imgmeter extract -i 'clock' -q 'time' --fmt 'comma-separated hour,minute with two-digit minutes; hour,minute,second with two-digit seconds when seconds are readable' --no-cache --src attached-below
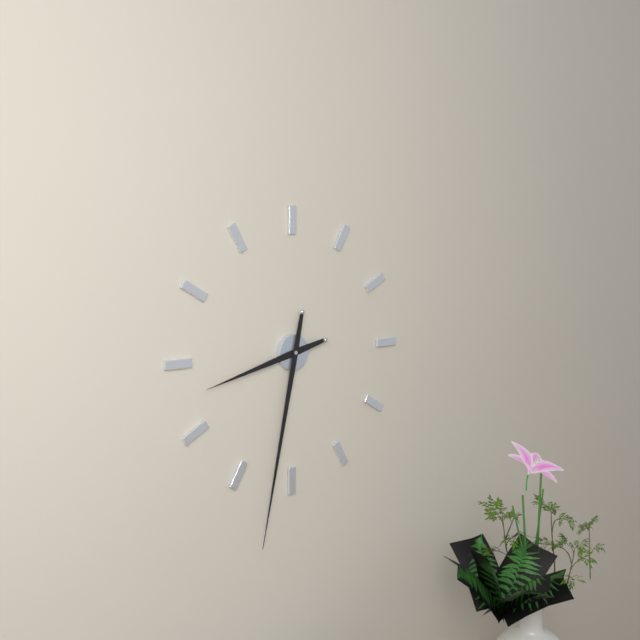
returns 8,32
